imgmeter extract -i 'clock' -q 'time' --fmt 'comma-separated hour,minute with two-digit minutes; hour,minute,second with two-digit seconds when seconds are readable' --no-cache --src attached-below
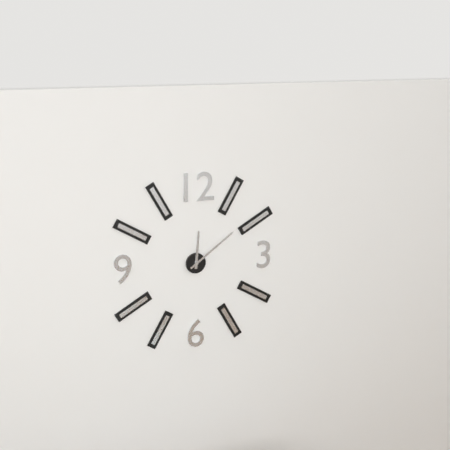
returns 12,09
